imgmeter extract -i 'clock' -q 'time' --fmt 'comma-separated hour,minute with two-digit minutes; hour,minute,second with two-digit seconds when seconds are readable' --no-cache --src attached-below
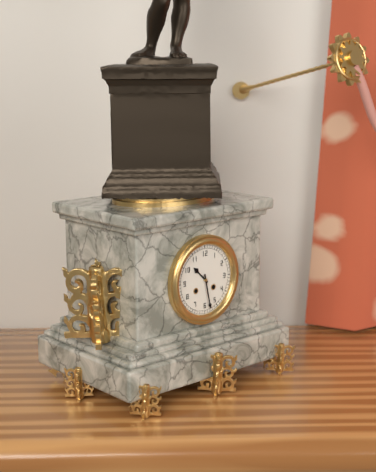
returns 10,28
